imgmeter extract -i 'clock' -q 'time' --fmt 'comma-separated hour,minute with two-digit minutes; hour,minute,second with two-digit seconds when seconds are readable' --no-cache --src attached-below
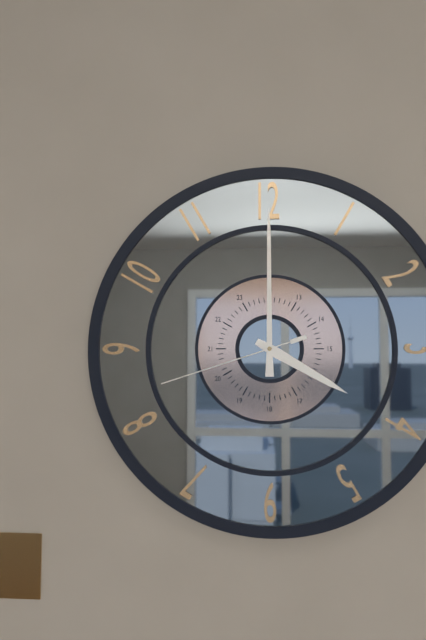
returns 4,00,42
